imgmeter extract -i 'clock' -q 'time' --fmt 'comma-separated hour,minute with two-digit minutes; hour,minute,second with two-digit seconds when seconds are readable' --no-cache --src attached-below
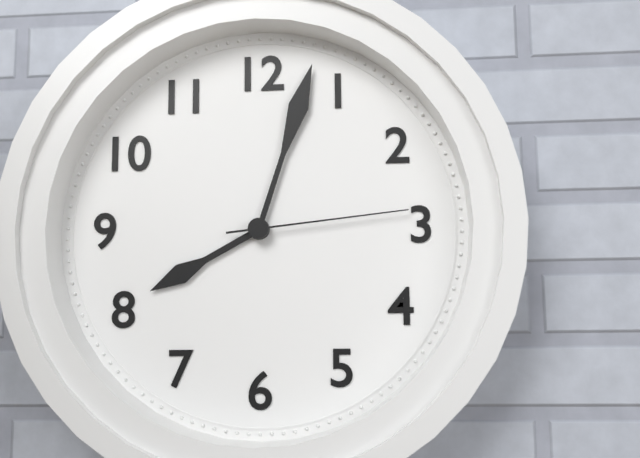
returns 8,03,14
